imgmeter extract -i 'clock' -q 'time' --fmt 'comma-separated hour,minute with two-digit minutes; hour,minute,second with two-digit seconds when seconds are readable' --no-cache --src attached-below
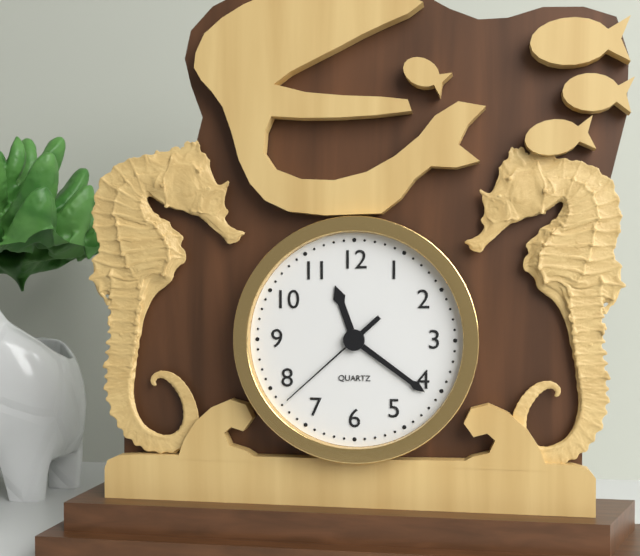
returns 11,21,38
